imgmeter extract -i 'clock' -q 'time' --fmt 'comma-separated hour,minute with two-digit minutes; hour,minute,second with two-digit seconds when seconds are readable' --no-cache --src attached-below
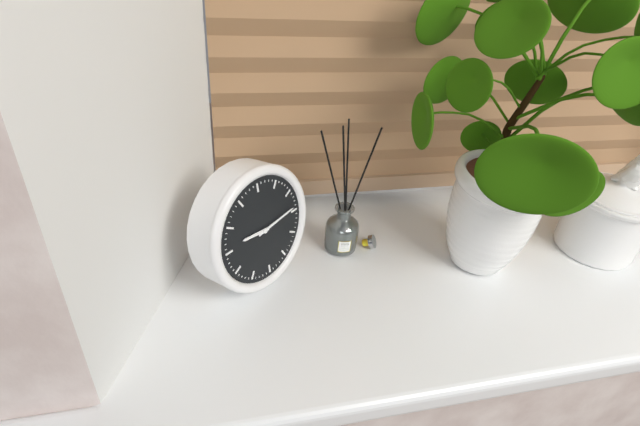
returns 9,14
